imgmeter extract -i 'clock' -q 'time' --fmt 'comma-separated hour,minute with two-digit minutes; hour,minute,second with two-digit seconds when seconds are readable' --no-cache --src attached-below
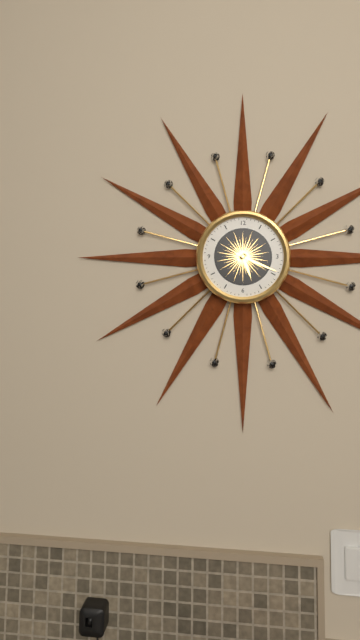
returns 5,19
